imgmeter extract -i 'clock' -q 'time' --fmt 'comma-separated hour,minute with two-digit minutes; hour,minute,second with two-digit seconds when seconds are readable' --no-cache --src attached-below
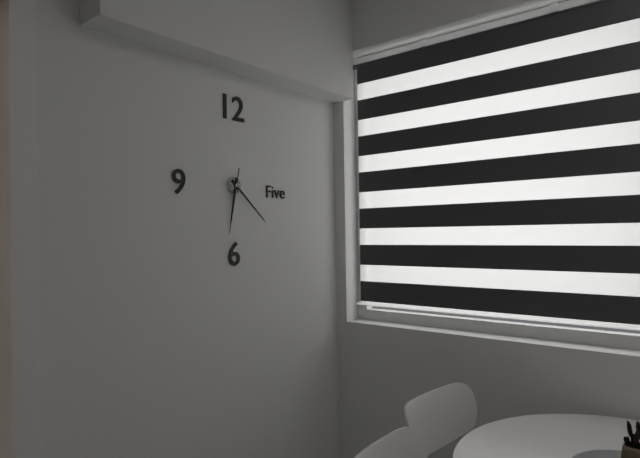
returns 6,22,32
